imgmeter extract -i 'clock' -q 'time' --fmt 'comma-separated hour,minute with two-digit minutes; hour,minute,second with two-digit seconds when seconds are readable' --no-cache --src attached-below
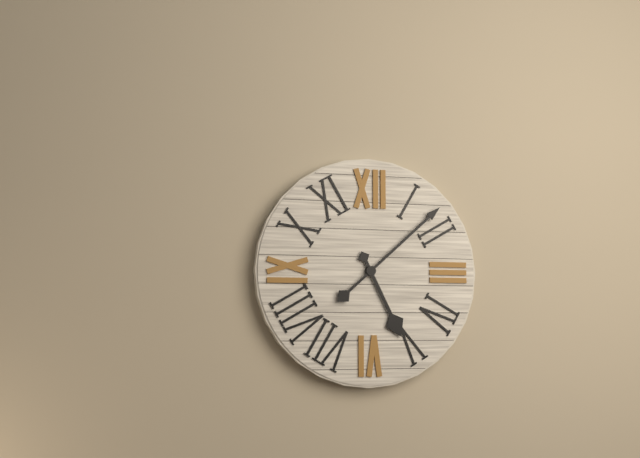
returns 5,08
